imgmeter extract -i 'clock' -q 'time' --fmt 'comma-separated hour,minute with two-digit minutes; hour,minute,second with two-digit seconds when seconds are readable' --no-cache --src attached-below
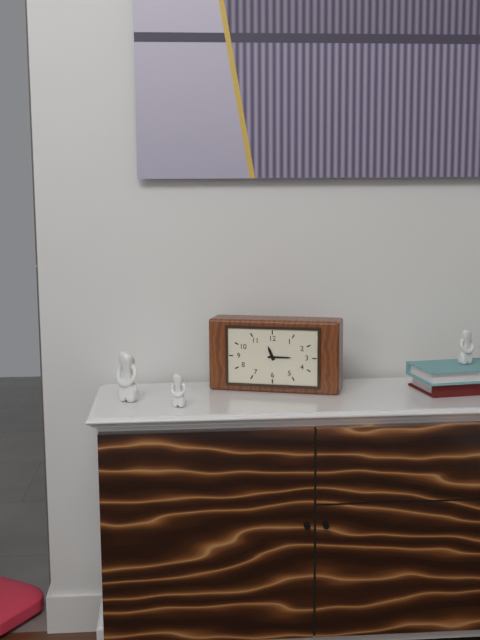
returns 11,15
